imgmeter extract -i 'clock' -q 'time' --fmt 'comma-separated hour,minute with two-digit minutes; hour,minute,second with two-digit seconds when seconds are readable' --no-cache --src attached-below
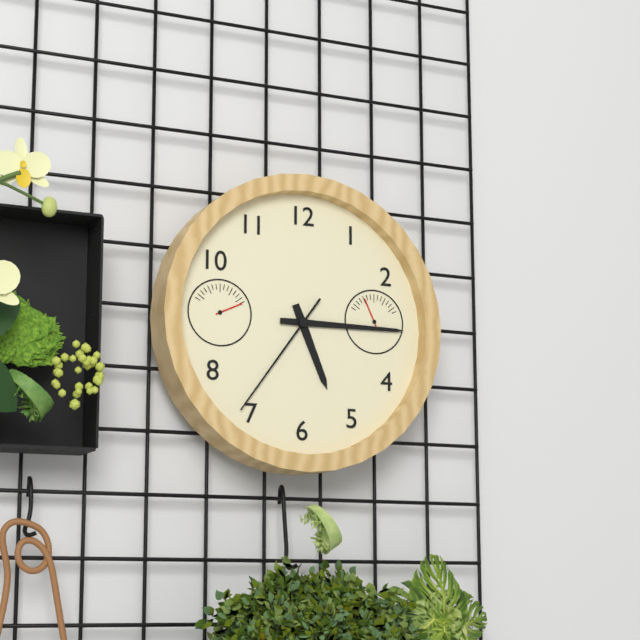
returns 5,15,36
